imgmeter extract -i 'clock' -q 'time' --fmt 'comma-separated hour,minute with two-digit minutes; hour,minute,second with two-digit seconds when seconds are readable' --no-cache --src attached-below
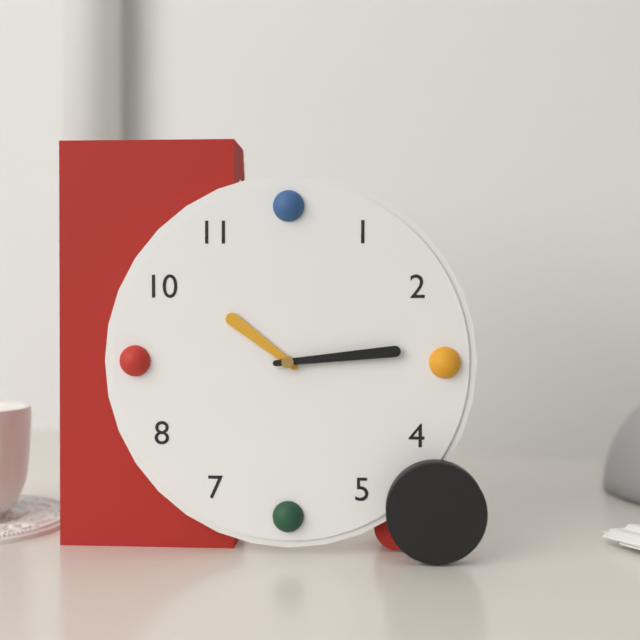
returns 10,14
